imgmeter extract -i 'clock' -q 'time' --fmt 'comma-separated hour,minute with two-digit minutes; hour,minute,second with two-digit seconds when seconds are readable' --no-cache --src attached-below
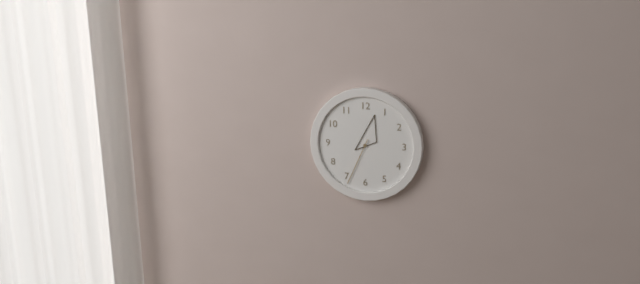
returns 12,34
